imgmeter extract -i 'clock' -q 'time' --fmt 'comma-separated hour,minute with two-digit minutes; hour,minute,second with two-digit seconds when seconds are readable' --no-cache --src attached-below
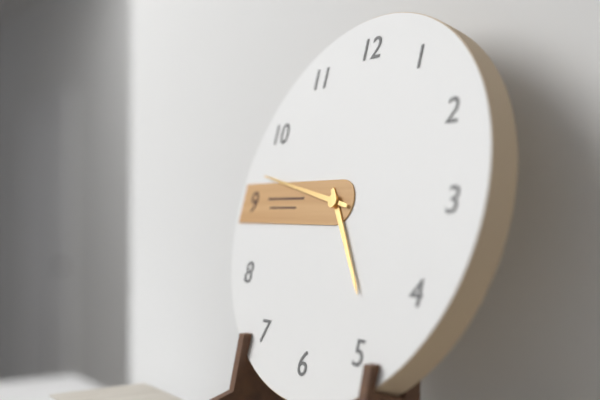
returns 4,47
